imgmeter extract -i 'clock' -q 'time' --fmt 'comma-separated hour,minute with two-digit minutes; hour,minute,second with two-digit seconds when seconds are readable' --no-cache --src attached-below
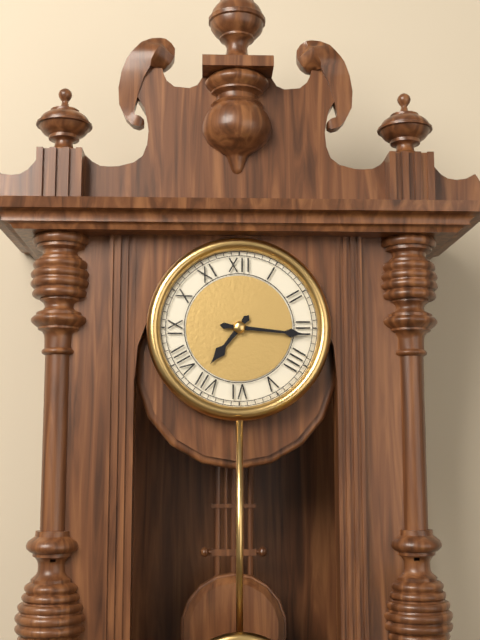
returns 7,16
